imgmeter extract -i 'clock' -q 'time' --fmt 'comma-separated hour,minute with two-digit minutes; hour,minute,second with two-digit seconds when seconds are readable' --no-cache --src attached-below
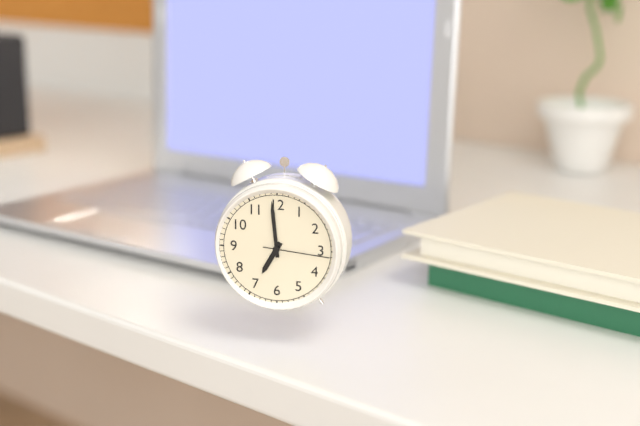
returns 6,59,16
